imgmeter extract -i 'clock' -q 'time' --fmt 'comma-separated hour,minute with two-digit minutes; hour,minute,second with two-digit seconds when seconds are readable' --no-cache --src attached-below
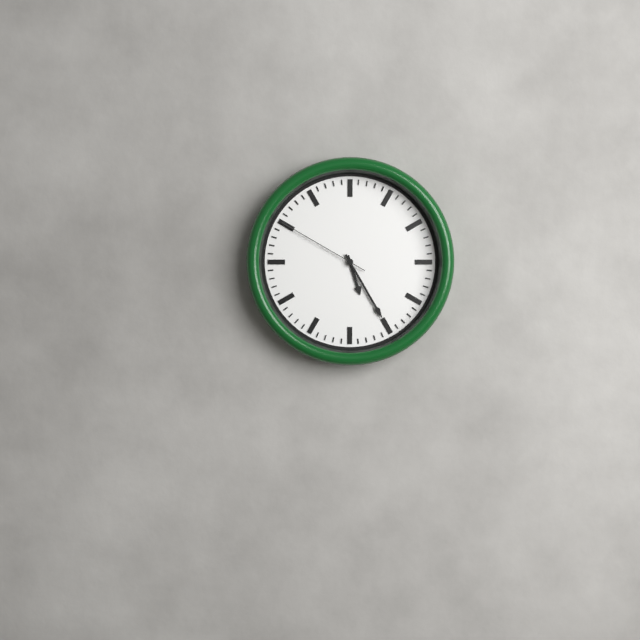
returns 5,25,50
